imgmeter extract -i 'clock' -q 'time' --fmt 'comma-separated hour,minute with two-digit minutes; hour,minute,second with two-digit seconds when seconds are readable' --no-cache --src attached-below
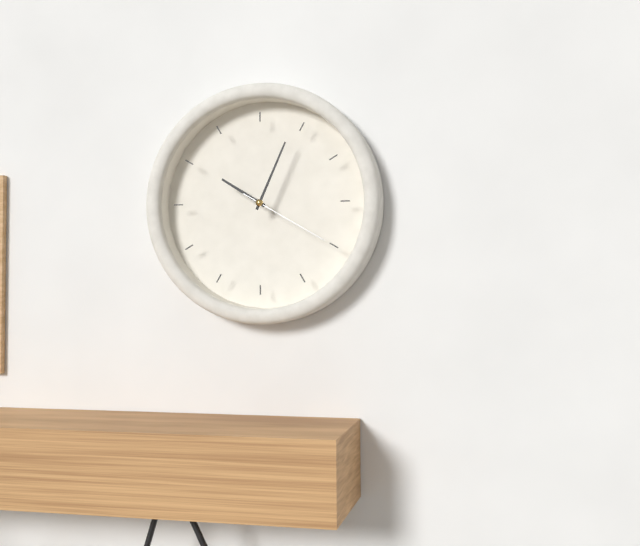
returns 10,04,20
